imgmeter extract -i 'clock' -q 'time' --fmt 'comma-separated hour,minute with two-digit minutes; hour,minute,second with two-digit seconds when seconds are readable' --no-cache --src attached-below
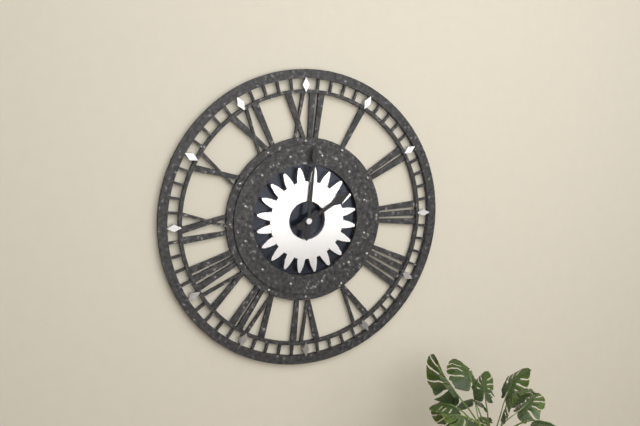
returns 2,01
